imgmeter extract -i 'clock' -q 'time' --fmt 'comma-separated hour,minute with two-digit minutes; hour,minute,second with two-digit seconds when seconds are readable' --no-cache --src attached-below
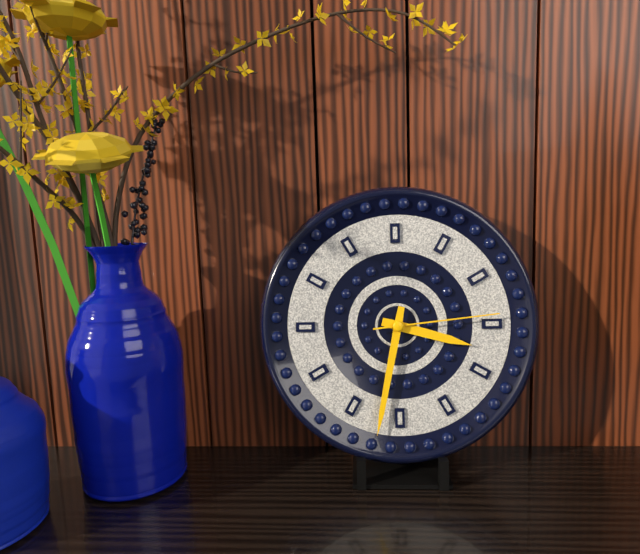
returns 3,32,14
